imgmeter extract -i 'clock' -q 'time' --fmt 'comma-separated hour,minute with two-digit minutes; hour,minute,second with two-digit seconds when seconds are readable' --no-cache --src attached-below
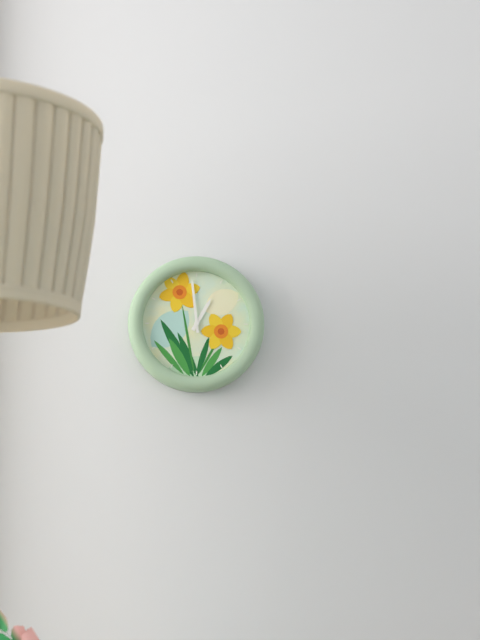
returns 12,59
